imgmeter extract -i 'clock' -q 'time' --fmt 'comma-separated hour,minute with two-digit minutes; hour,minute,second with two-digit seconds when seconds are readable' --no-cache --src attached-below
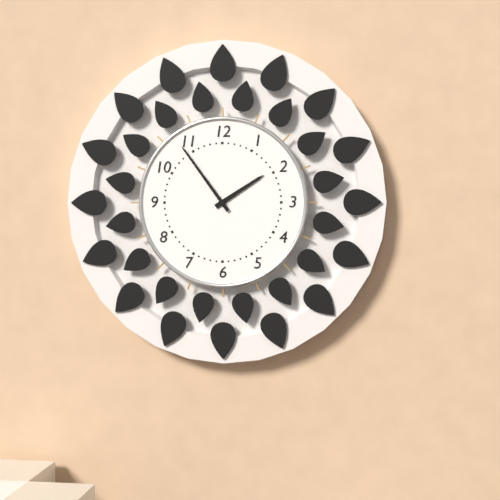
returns 1,54
